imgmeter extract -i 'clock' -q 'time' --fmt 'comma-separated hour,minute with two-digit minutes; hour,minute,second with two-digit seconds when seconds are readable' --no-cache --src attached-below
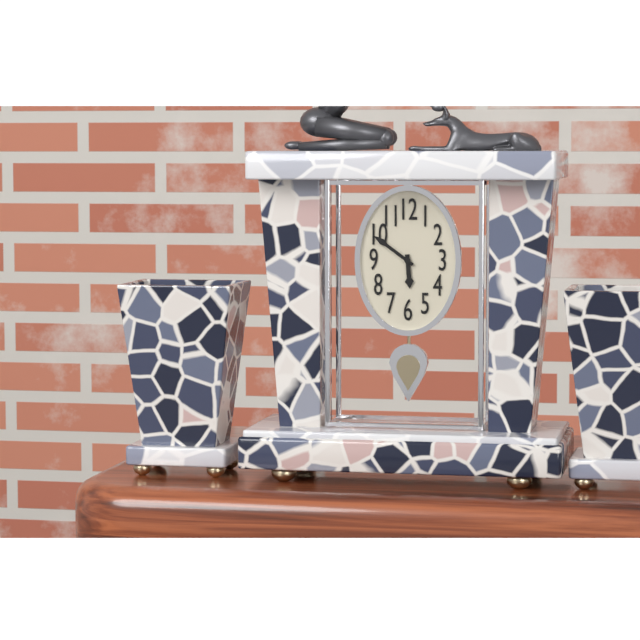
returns 5,51
